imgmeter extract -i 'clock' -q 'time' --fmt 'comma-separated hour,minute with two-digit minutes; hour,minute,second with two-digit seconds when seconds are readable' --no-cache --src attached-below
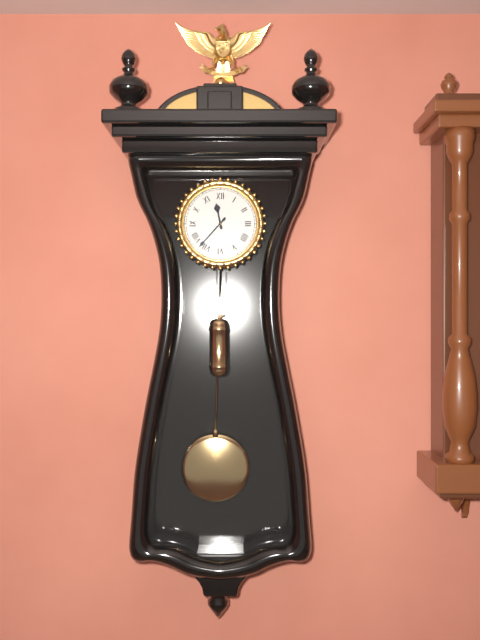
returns 11,37
